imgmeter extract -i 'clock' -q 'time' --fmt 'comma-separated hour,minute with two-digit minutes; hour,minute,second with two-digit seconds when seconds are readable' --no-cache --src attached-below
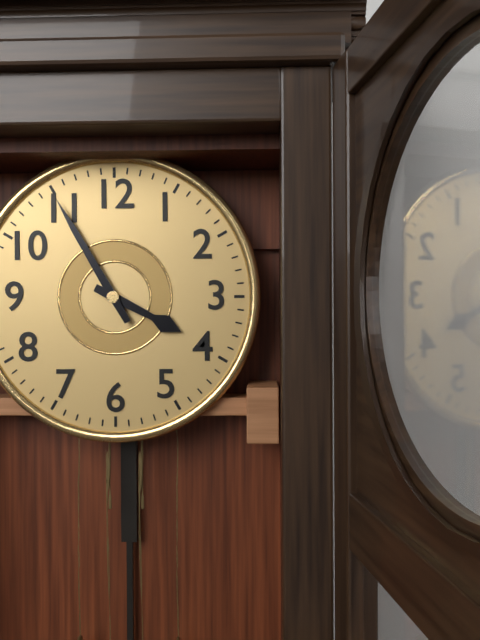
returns 3,55
